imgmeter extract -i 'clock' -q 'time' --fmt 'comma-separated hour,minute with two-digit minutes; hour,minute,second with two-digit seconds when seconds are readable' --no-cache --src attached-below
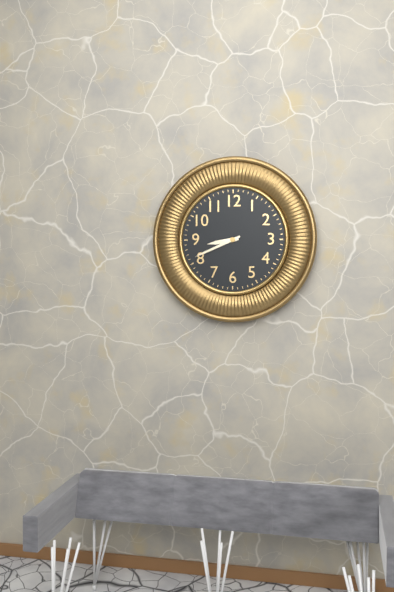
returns 8,41
